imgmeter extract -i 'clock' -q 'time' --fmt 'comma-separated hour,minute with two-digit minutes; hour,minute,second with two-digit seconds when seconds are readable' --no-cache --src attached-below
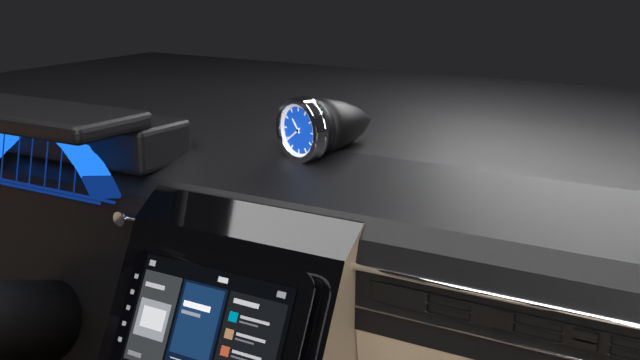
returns 10,39
